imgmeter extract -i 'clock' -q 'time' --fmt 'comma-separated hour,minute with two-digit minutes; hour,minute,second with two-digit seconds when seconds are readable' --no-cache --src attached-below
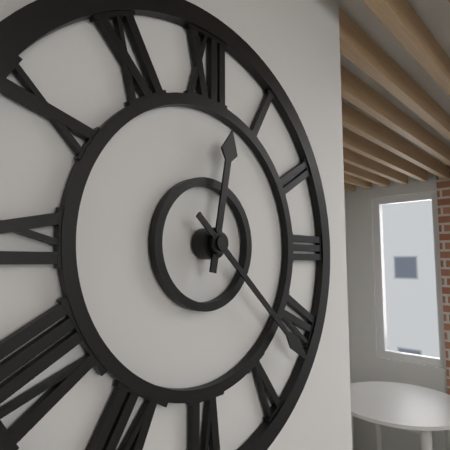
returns 12,22
